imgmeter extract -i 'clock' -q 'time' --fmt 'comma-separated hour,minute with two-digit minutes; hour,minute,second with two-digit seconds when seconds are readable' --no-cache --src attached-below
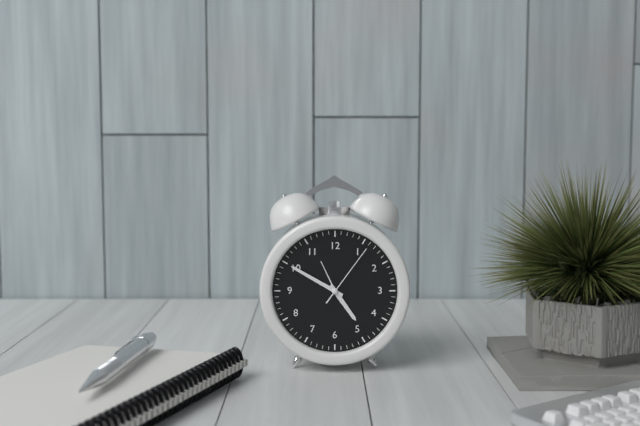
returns 4,50,06
